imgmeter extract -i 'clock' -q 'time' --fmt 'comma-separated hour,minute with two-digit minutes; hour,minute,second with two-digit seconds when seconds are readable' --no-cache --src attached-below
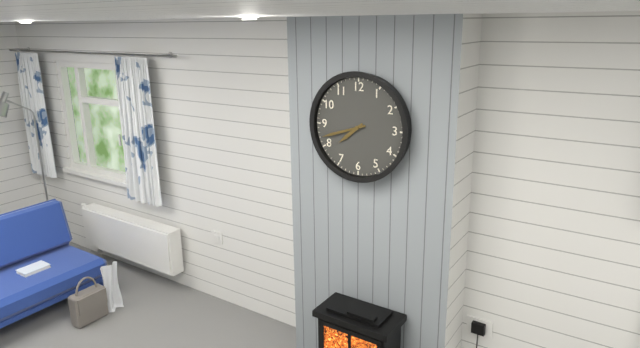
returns 7,42
